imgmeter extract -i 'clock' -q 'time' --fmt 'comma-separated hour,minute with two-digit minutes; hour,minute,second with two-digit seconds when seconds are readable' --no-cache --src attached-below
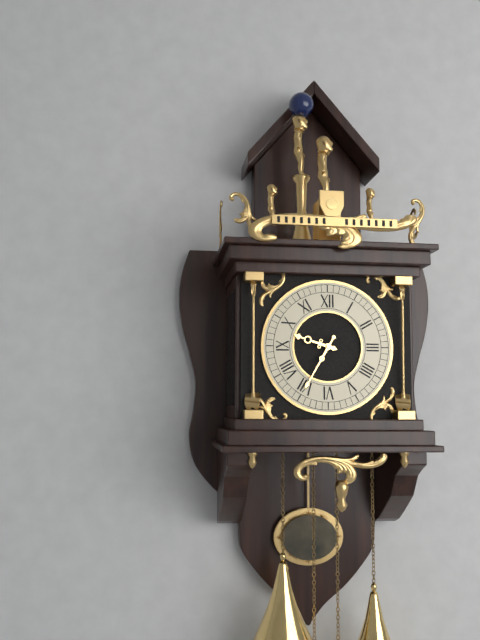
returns 9,35
